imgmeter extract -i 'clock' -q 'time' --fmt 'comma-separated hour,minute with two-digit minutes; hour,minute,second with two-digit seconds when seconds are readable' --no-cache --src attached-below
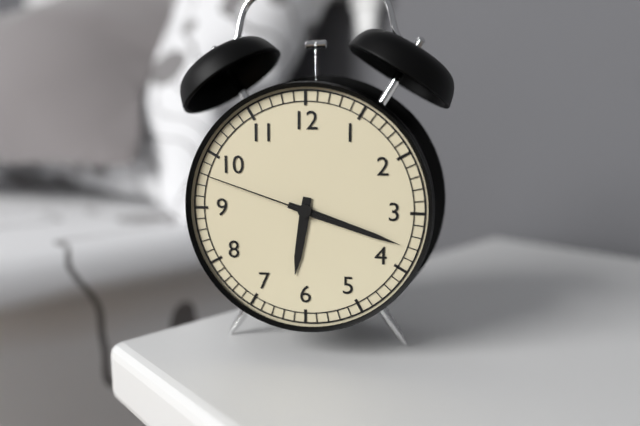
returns 6,18,48
